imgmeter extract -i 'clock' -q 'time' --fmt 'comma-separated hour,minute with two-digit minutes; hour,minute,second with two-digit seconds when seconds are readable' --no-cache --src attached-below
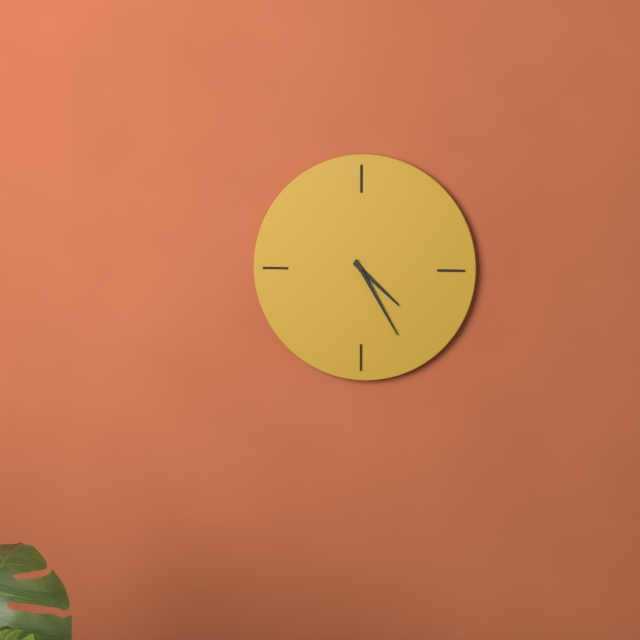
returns 4,25
